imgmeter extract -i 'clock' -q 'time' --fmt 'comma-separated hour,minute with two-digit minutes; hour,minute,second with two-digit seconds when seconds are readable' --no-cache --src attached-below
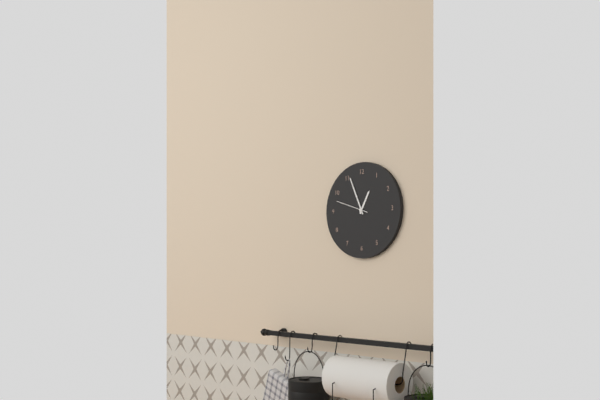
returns 12,56
